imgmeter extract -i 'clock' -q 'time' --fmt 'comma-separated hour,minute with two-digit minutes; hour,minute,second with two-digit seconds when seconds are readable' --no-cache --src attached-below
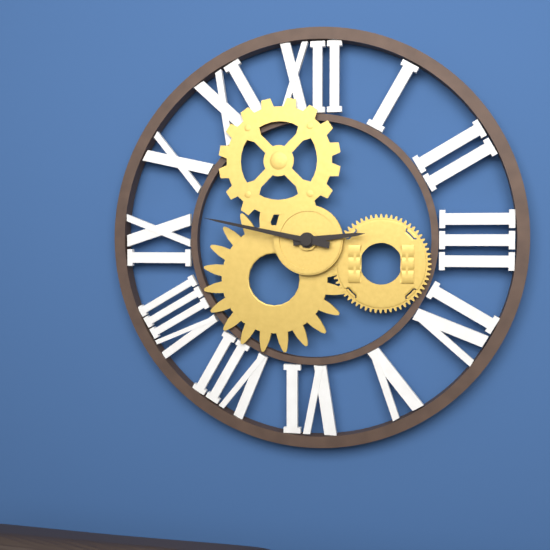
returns 2,47
